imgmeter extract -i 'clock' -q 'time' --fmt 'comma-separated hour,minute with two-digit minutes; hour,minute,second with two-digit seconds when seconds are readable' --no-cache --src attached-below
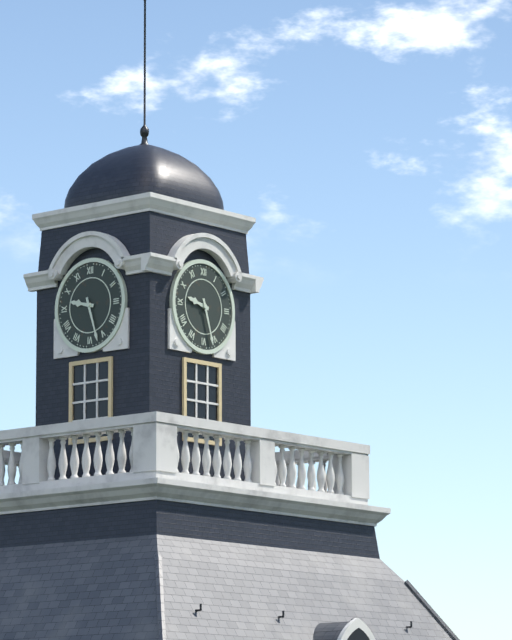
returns 9,27
